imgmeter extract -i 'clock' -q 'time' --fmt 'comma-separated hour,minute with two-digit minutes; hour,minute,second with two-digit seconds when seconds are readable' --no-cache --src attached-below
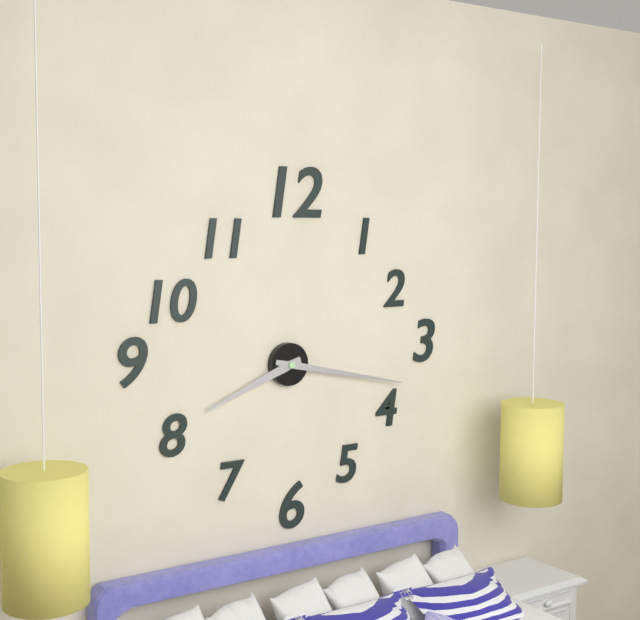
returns 8,17
